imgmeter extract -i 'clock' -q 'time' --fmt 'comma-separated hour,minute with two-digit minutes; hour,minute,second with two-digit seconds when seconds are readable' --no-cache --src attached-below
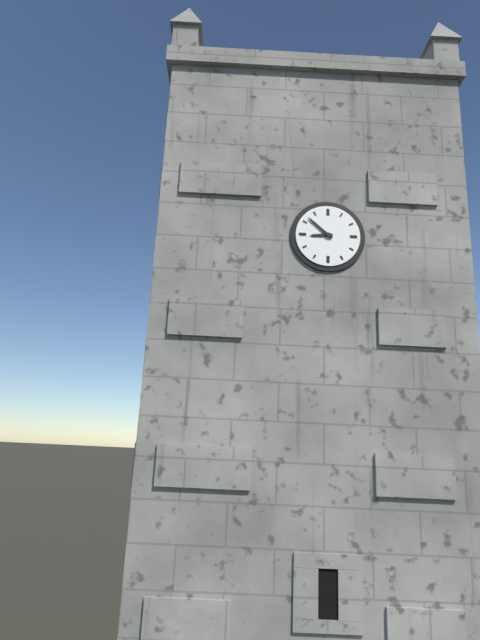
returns 8,52
